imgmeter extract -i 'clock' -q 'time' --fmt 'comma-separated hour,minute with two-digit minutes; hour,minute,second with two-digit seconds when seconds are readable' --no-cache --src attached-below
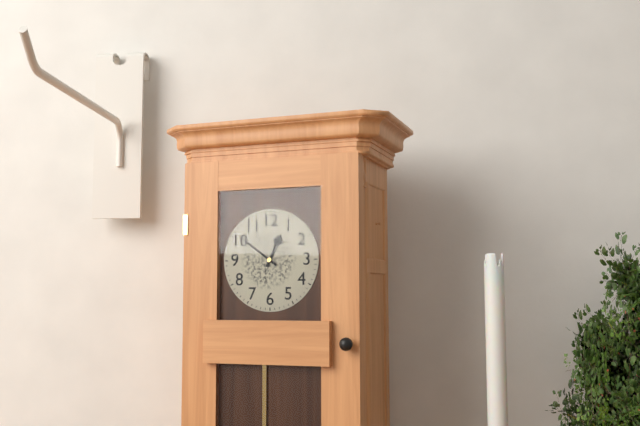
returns 12,51
